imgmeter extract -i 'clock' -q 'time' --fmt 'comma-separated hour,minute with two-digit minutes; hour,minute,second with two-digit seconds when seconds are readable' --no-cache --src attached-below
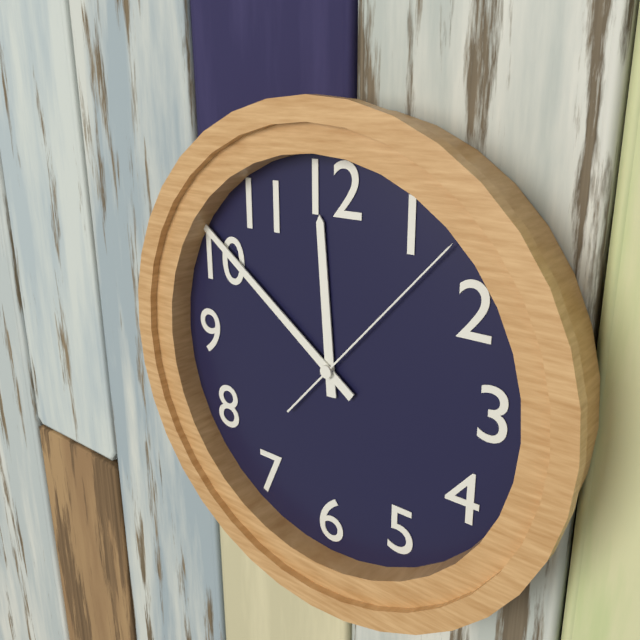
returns 11,51,07
